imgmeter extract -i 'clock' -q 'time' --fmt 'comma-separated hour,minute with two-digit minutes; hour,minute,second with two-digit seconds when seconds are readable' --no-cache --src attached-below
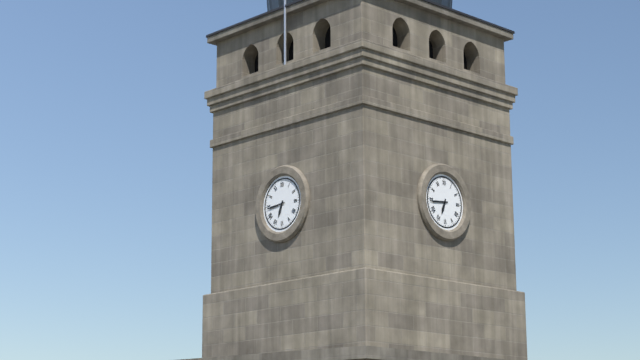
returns 6,44
